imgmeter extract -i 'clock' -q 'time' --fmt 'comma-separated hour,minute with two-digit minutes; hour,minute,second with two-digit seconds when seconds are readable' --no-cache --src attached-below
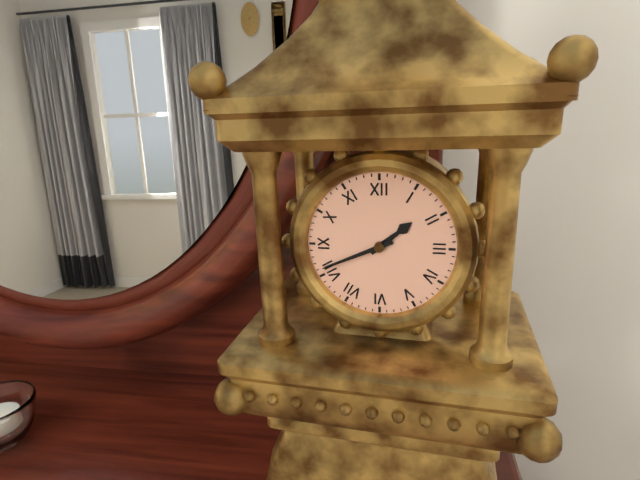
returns 1,41
